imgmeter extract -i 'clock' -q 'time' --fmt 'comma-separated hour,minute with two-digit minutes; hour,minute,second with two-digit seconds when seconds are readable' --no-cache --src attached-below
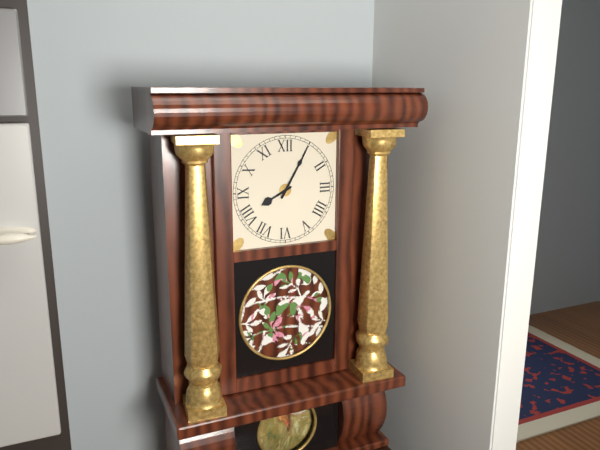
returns 8,05
